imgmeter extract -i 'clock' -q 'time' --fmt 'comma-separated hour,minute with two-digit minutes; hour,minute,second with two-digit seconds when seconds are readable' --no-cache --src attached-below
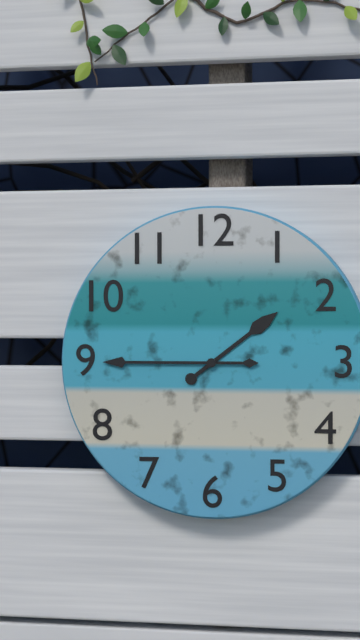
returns 1,45
